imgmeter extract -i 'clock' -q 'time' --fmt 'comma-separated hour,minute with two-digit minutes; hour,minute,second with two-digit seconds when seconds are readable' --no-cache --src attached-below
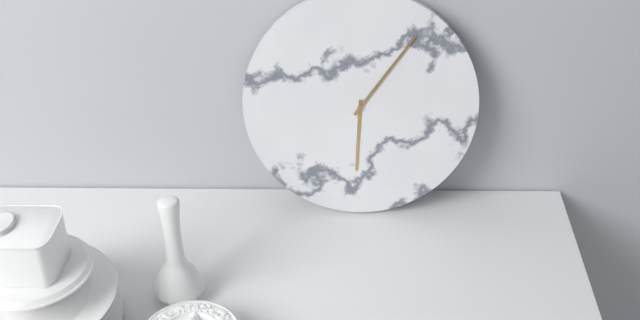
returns 6,06
